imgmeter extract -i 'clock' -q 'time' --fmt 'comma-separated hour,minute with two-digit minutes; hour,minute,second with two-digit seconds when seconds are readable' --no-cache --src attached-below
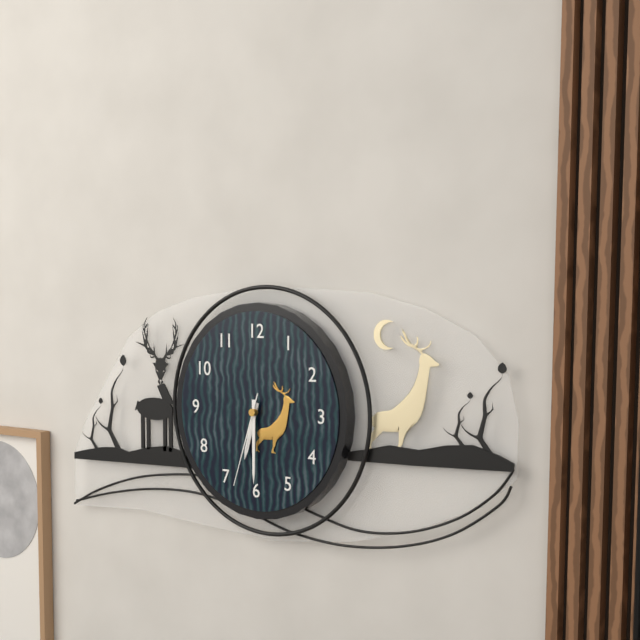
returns 6,30,33
